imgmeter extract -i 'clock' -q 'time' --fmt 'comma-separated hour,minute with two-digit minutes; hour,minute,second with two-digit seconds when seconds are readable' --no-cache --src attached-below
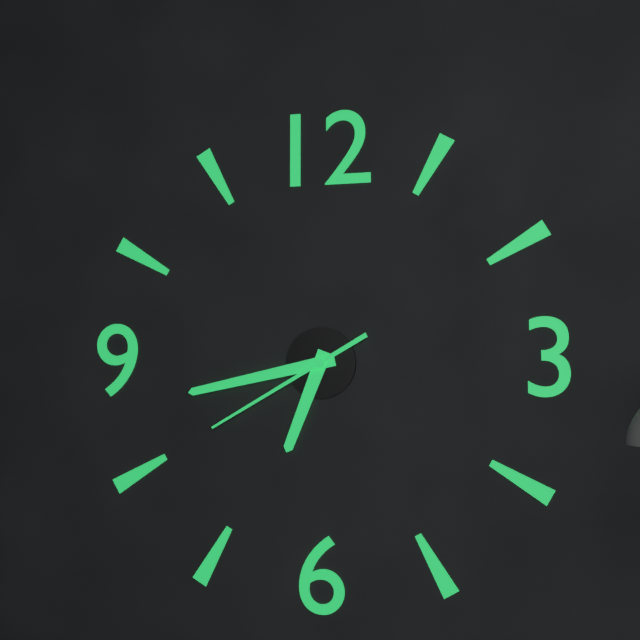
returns 6,43,40
